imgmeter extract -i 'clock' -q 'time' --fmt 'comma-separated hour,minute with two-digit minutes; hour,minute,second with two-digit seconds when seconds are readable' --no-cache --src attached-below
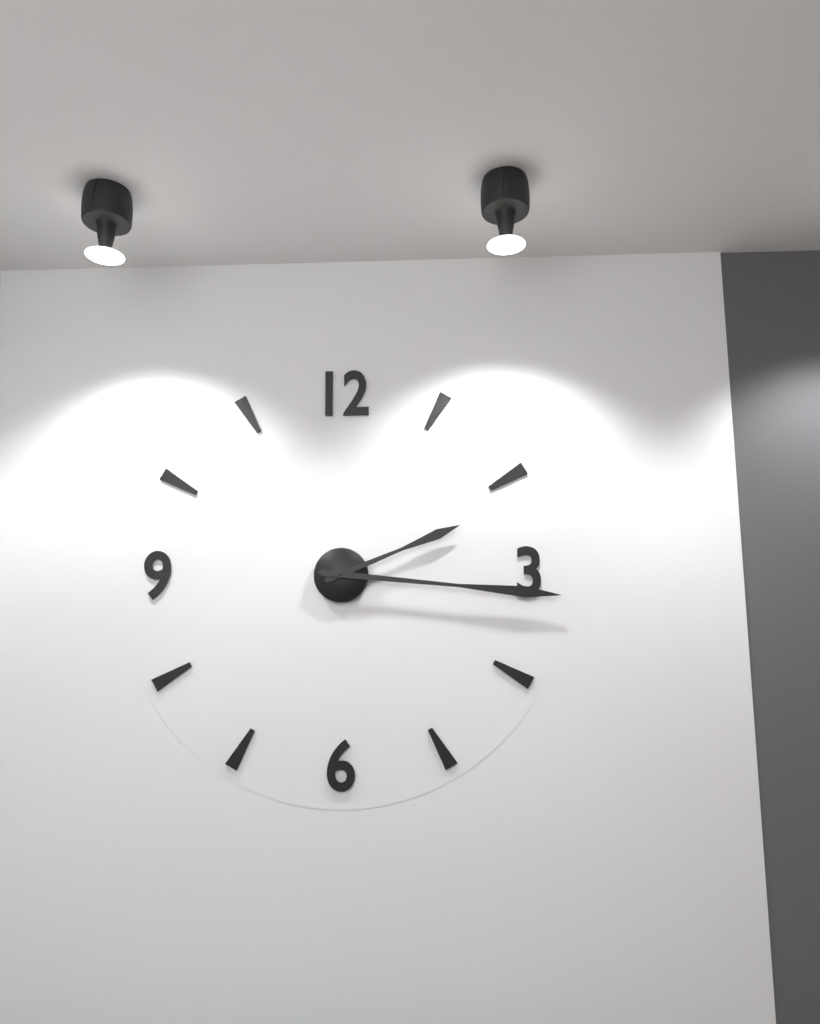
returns 2,16
